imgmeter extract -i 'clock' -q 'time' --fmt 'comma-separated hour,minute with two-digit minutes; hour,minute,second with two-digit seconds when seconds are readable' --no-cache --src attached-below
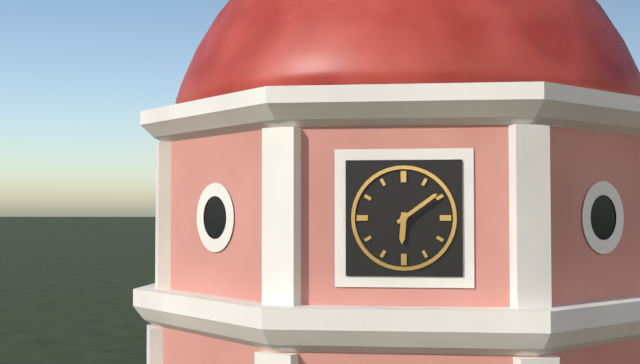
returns 6,09
